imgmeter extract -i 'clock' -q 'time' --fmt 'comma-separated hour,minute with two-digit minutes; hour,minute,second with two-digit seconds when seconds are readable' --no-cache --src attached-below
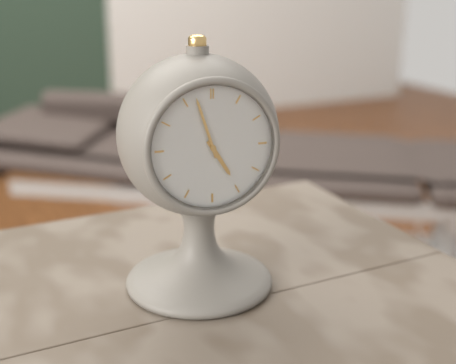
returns 4,57
